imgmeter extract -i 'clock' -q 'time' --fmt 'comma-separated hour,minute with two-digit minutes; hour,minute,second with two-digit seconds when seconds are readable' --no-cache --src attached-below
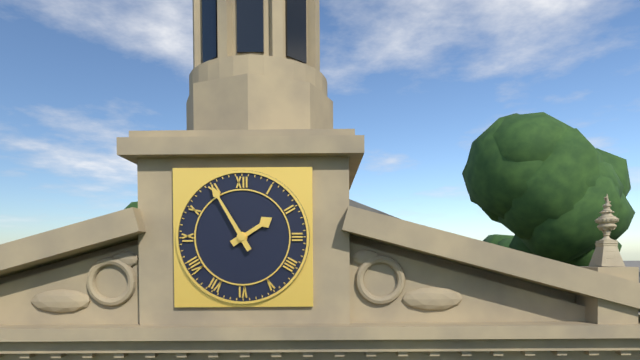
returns 1,55
